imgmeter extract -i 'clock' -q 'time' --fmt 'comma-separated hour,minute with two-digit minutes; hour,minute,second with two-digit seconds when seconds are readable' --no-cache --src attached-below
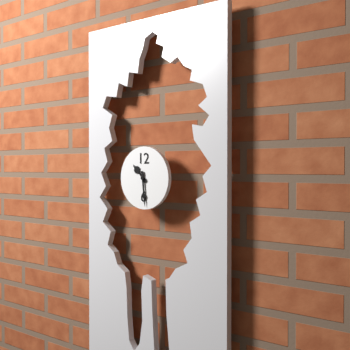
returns 10,29
